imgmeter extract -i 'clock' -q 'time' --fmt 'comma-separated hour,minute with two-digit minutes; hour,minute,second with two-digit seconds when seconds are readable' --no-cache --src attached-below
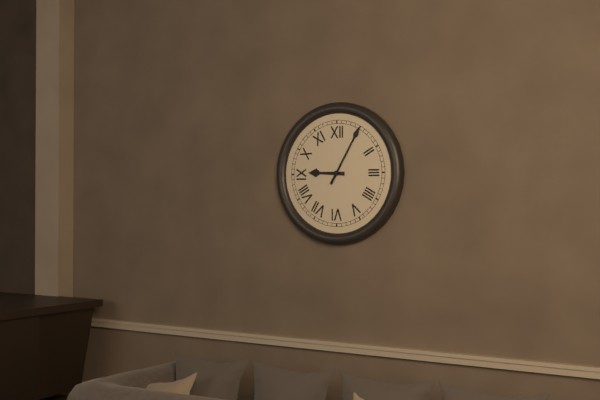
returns 9,05
